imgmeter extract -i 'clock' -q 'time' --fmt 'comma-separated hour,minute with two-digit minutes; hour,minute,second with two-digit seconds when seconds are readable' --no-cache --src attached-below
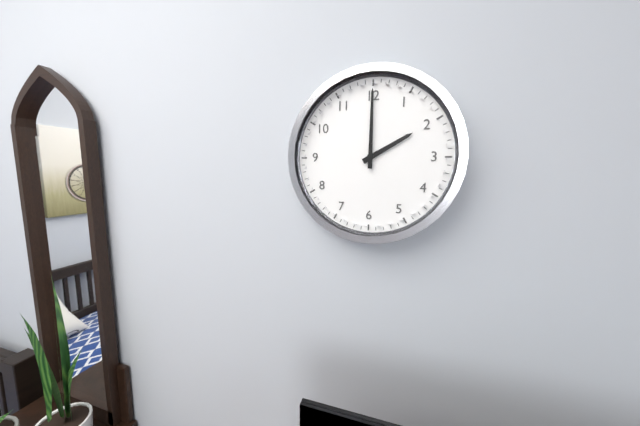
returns 2,00
